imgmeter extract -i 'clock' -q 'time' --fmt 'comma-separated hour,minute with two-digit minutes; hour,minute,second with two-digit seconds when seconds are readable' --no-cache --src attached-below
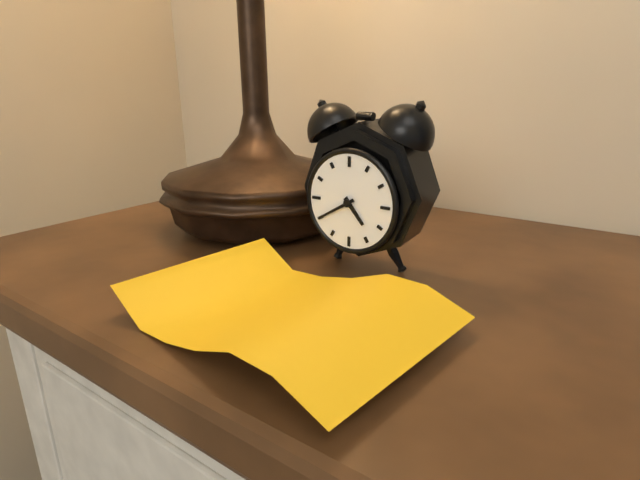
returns 4,40
